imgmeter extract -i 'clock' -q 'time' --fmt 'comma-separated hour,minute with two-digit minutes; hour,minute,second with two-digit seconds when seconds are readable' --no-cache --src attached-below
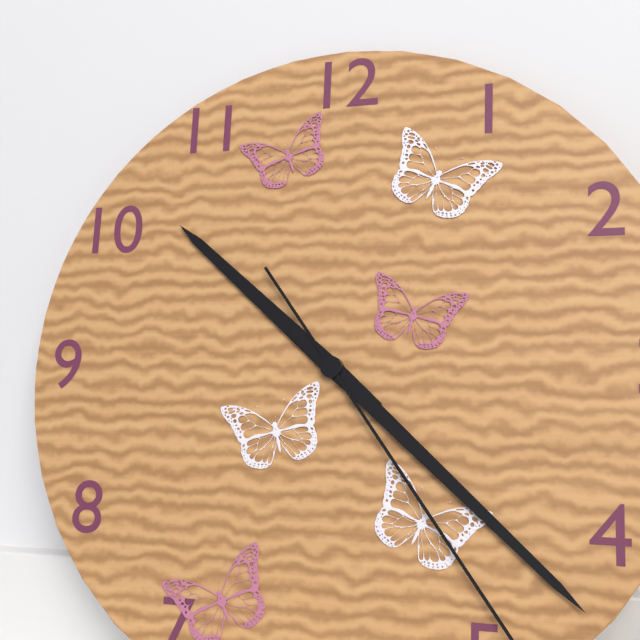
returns 10,22
